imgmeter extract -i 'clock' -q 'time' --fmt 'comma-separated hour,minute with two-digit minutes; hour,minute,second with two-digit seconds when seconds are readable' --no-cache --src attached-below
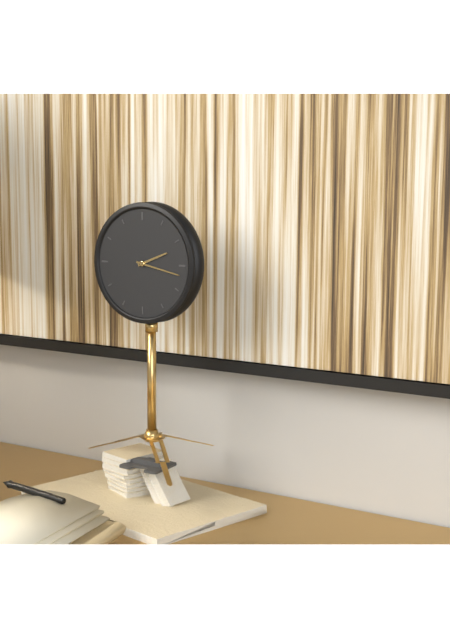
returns 2,17
